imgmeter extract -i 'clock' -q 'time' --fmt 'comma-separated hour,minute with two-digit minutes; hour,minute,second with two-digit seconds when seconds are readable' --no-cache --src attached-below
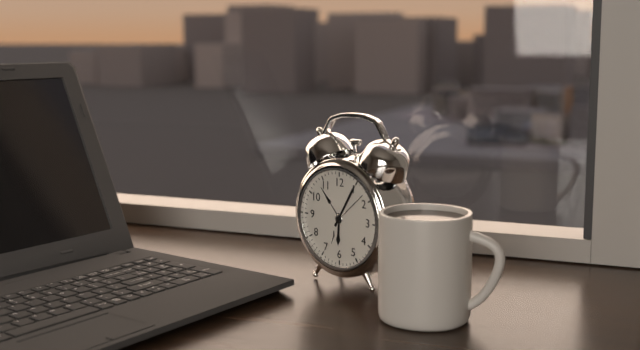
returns 6,05
